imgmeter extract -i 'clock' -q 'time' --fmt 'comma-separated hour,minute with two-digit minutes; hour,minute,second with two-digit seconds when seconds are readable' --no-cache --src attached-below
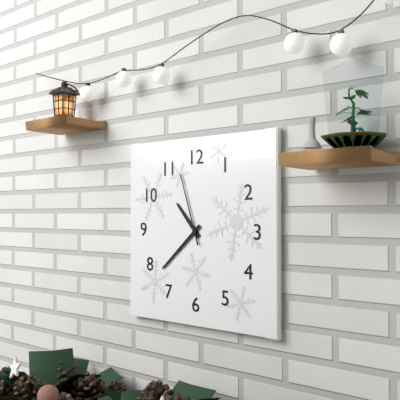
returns 10,38,57
